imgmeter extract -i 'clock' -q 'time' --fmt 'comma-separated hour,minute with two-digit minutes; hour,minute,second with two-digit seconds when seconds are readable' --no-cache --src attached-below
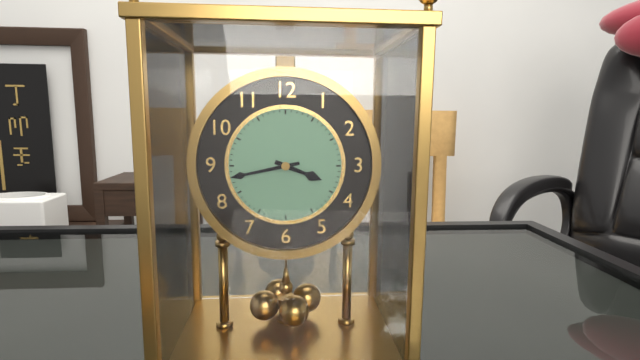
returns 3,43
